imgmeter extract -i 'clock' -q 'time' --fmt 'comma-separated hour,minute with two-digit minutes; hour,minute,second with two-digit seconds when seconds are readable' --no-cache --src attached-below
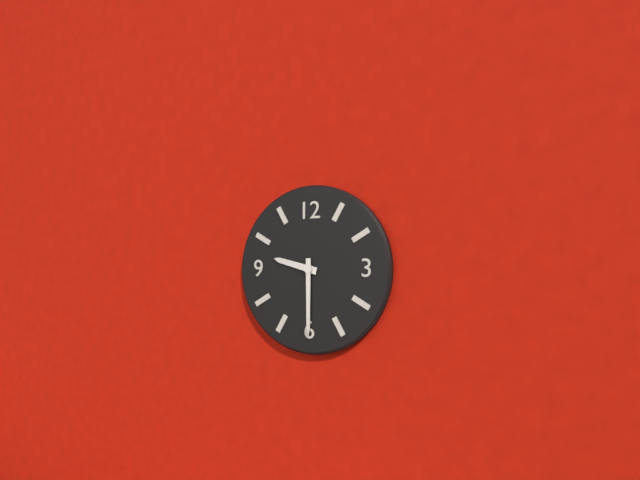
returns 9,30
